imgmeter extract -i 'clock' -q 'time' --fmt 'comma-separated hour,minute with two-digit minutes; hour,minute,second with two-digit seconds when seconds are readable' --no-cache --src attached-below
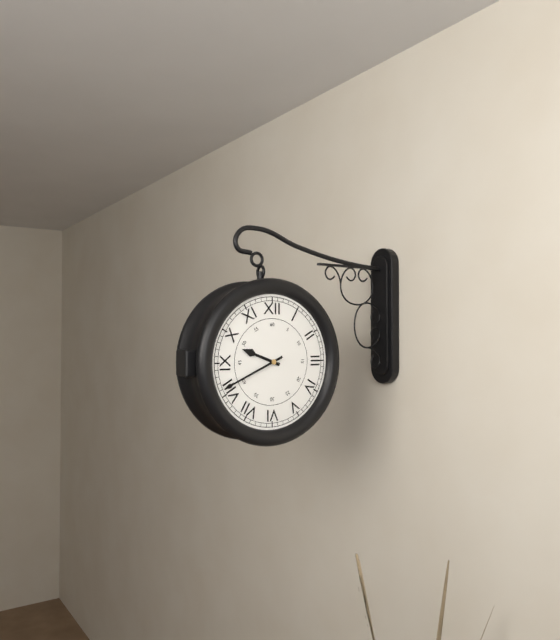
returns 9,41
